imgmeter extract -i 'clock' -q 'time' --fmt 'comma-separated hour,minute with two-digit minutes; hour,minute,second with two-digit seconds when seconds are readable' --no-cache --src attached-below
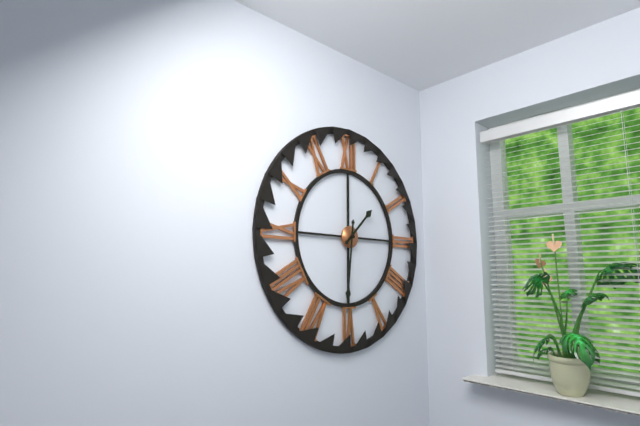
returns 1,31
